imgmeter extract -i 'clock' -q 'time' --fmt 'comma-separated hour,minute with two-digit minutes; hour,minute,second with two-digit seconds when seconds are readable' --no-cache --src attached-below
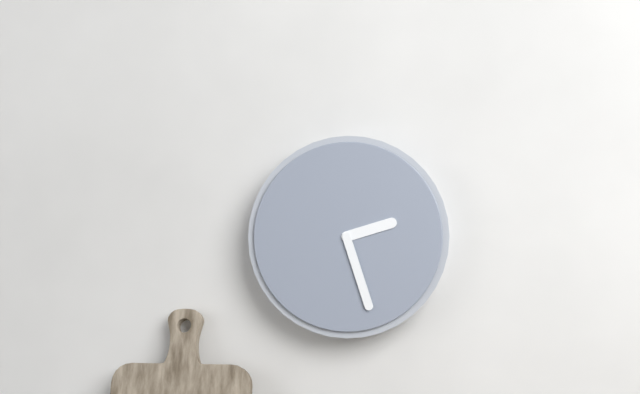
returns 2,27
